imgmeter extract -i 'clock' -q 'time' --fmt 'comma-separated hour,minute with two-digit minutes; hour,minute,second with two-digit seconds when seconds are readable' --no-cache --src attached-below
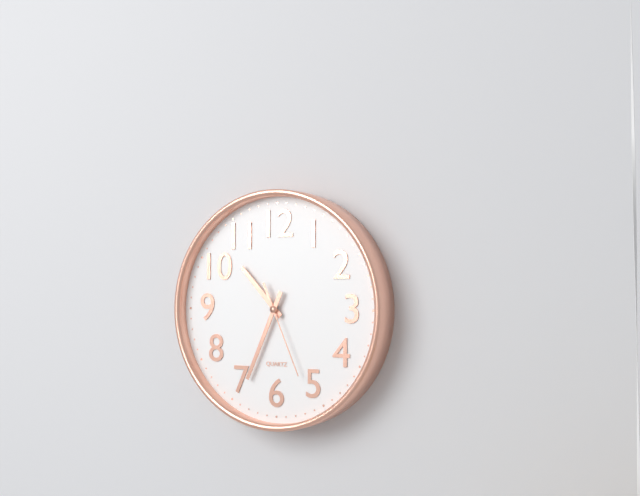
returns 10,34,26
